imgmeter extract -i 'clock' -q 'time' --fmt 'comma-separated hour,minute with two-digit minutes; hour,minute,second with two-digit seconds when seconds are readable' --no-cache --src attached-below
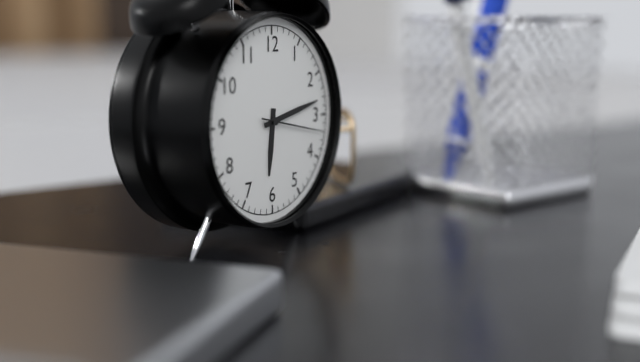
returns 6,13,17
